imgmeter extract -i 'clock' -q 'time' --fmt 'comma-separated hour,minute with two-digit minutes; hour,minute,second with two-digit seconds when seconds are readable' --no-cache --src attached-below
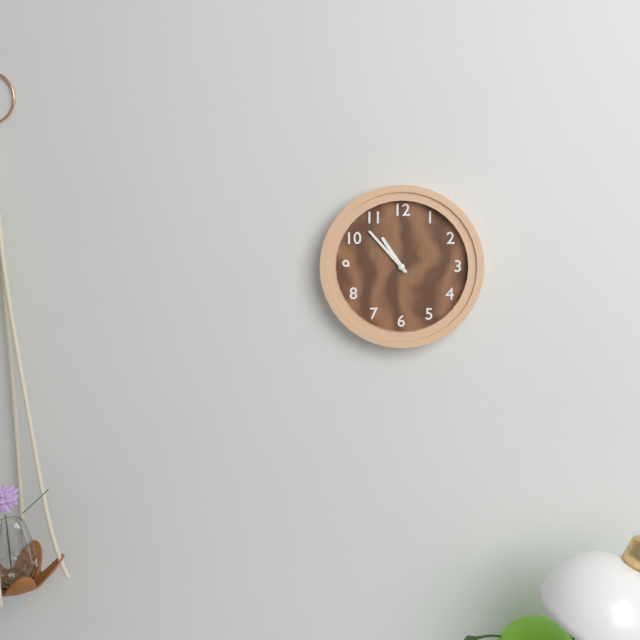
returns 10,53
